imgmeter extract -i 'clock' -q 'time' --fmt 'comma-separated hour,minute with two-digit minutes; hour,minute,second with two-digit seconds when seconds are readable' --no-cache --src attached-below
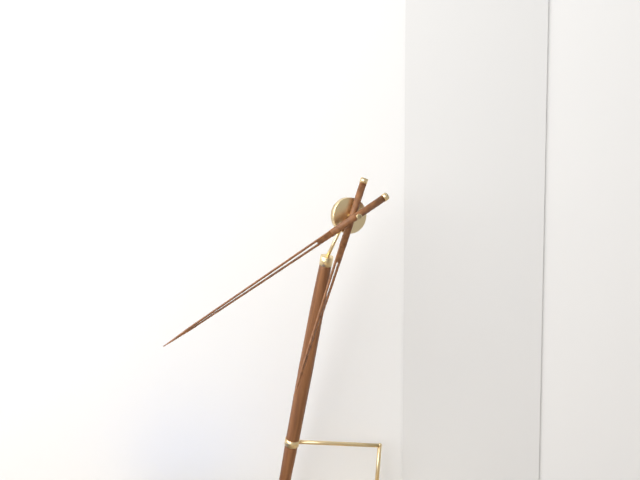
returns 6,40
